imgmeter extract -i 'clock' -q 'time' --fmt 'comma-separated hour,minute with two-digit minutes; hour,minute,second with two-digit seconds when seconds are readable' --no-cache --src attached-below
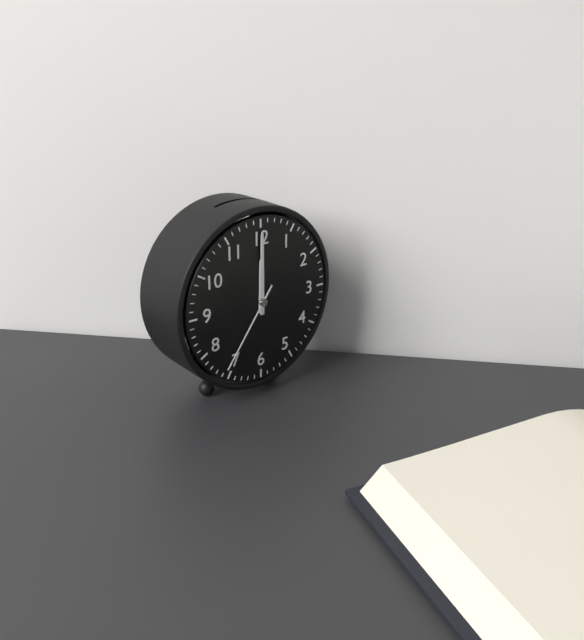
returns 12,00,36
